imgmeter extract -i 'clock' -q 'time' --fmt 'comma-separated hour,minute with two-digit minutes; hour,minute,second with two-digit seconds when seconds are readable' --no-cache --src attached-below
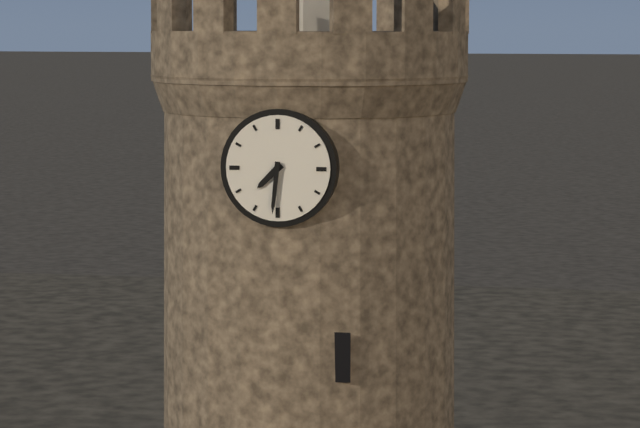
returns 7,31
